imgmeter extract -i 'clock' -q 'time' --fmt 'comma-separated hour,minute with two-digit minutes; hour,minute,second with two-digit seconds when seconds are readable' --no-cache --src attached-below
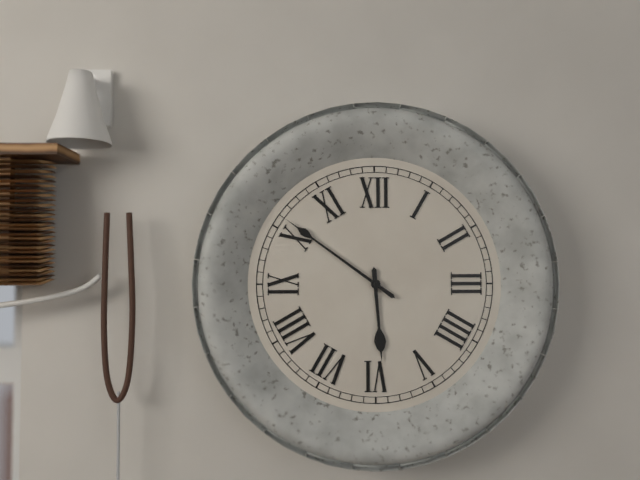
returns 5,51
